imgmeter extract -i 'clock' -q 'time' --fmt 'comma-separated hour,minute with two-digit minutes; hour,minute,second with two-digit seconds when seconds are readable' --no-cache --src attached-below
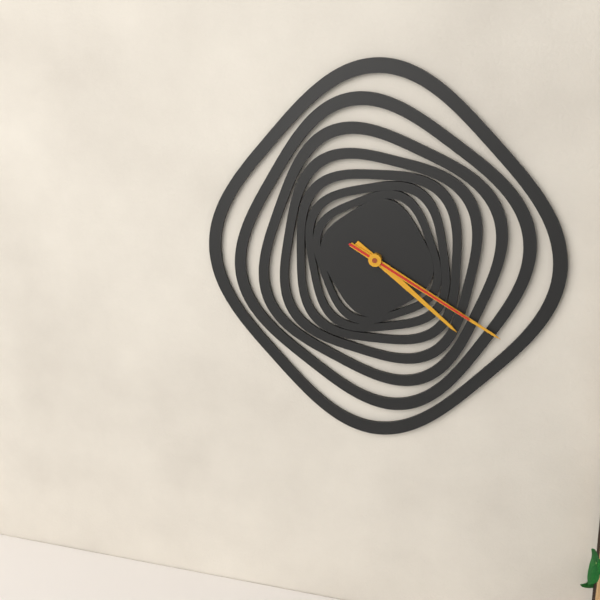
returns 4,20,20
